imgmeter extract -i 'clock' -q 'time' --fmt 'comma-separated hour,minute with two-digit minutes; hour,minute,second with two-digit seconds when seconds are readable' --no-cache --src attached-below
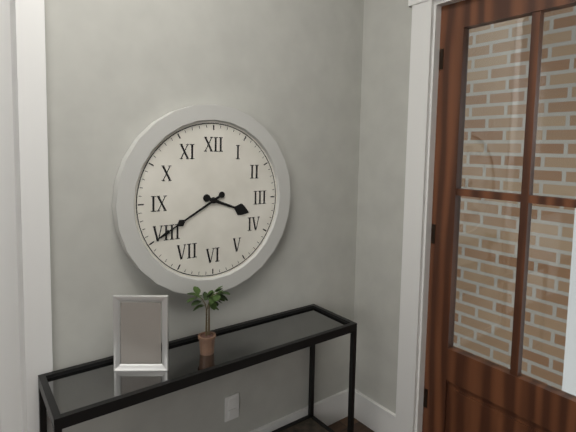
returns 3,40
